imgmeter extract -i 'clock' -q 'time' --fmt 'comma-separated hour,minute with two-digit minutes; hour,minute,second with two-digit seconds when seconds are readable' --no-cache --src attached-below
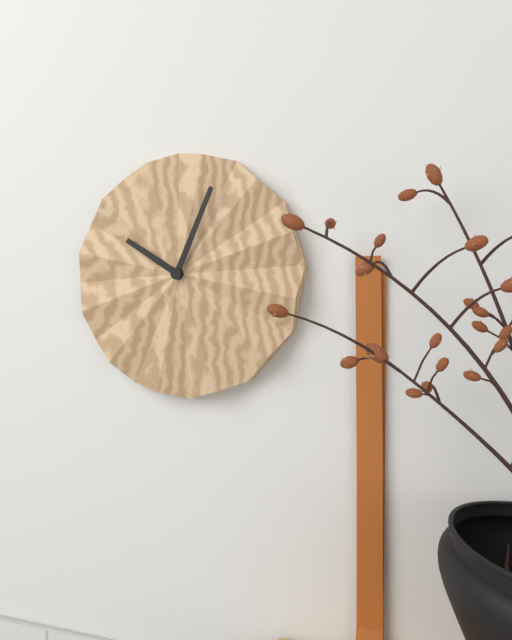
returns 10,04
